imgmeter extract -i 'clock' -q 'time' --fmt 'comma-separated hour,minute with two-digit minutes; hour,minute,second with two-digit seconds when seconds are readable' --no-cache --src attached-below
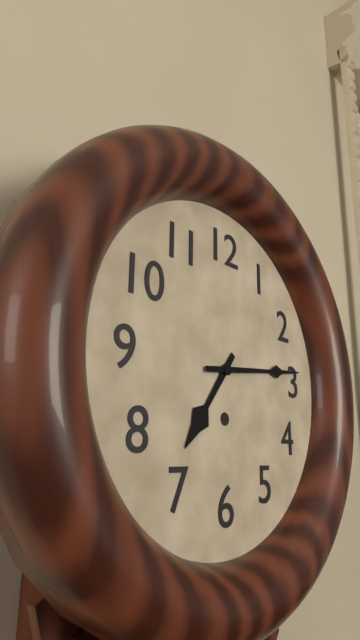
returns 7,14
